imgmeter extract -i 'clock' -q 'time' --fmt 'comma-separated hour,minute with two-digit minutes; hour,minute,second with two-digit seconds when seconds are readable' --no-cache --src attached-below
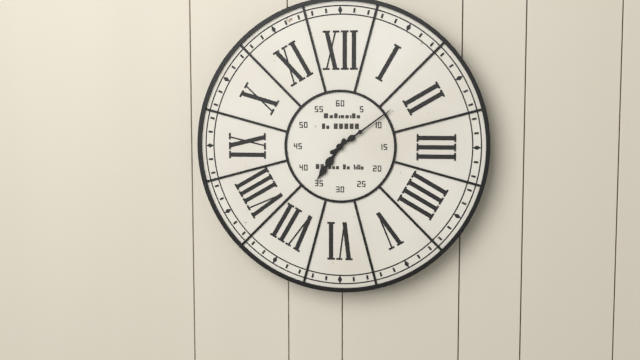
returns 7,09
